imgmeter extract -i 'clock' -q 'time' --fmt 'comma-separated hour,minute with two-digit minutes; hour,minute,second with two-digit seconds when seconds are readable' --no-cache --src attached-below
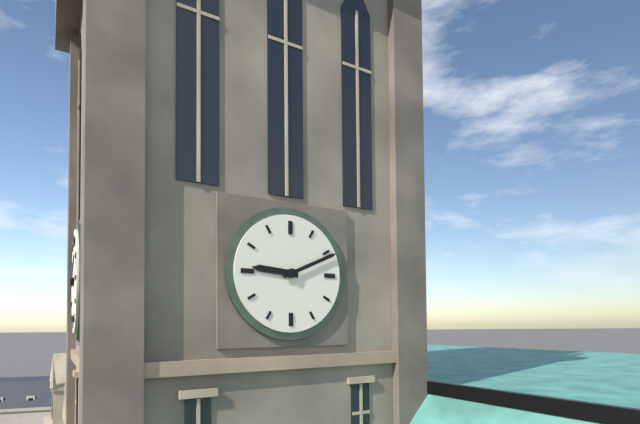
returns 9,11
